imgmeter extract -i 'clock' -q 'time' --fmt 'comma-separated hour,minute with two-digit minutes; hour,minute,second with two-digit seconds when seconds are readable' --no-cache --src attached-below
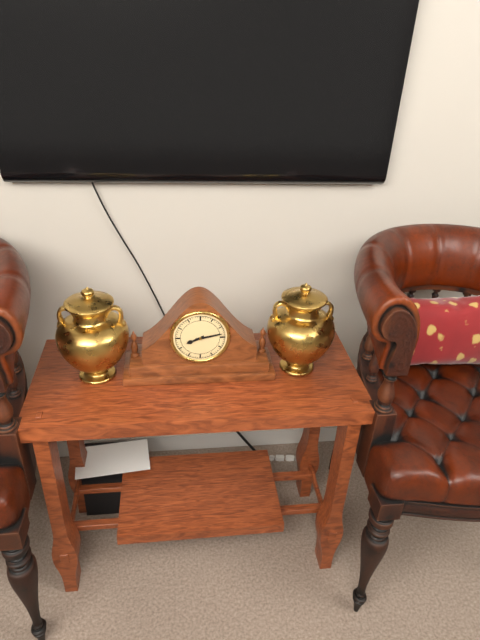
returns 8,13
